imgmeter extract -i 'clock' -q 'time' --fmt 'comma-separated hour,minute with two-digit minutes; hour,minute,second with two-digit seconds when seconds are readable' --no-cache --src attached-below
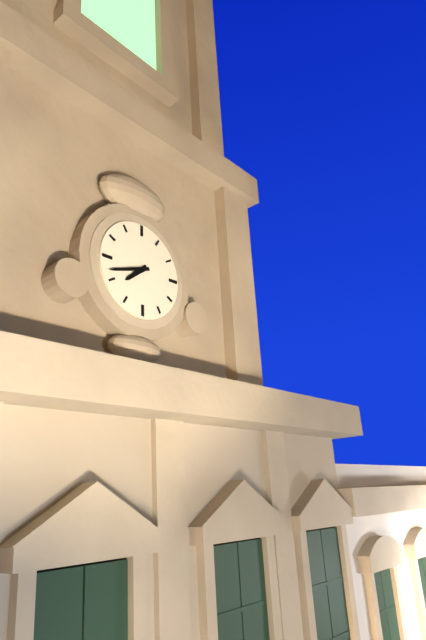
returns 7,42
